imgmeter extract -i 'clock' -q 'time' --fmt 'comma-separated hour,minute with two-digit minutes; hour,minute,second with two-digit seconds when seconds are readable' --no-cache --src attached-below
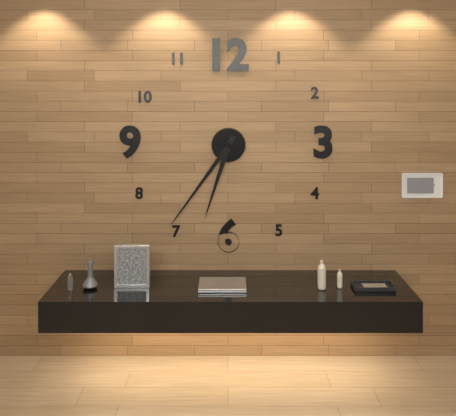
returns 6,36
